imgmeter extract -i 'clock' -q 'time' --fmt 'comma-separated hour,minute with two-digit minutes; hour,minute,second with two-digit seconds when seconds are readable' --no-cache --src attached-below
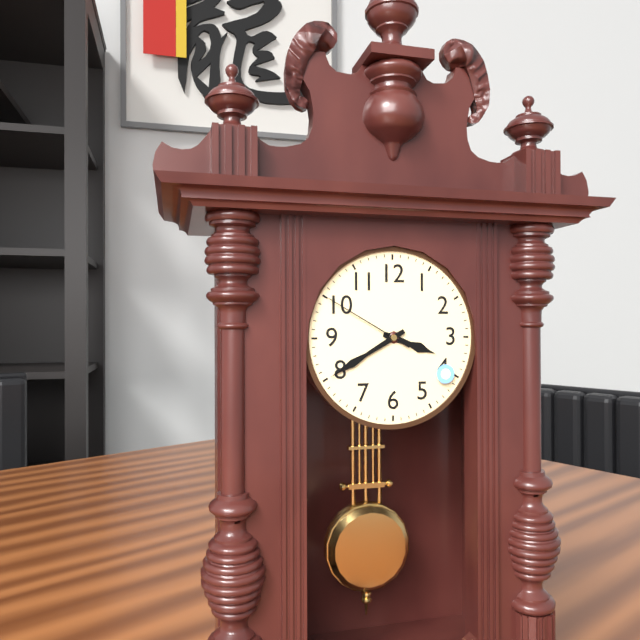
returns 3,40,50
